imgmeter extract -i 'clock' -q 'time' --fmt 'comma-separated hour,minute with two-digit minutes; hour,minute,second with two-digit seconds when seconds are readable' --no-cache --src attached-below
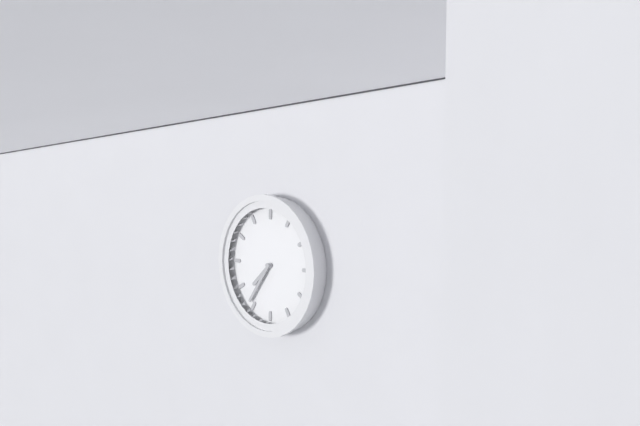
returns 7,36
